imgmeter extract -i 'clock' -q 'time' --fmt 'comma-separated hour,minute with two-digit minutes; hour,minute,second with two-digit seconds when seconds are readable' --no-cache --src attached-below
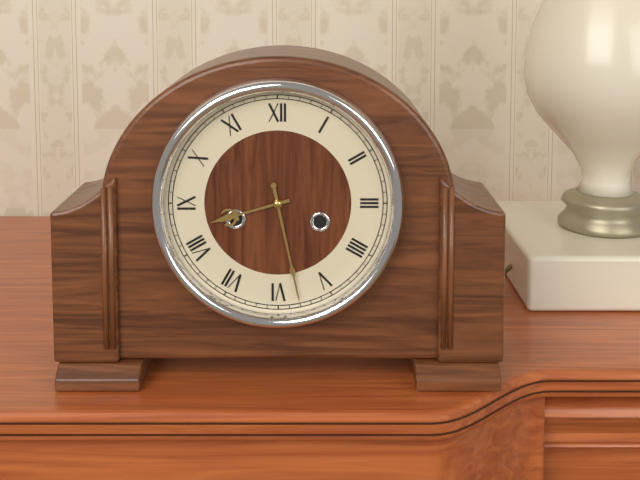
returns 8,28
